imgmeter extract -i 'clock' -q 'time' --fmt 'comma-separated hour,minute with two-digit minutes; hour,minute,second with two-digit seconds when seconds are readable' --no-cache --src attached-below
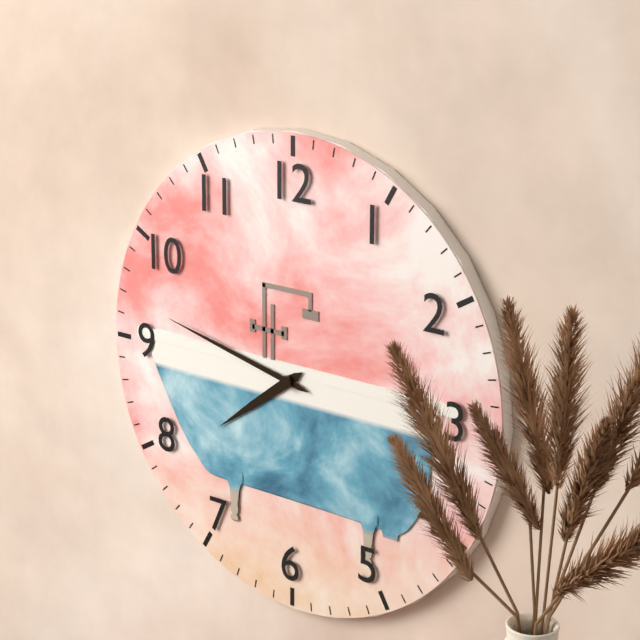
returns 7,47
